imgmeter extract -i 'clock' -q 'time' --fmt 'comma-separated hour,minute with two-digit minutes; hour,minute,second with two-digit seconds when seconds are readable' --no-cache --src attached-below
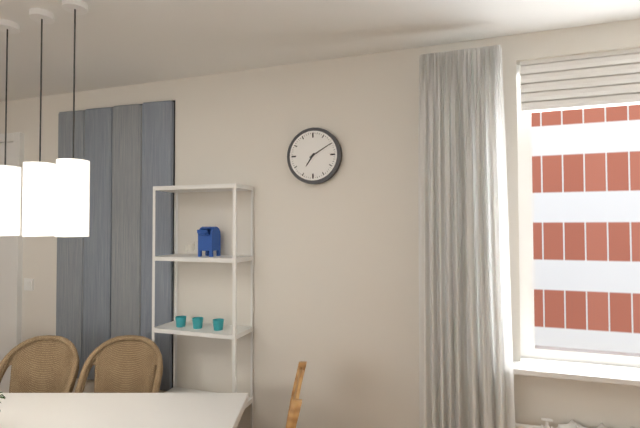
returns 7,10
